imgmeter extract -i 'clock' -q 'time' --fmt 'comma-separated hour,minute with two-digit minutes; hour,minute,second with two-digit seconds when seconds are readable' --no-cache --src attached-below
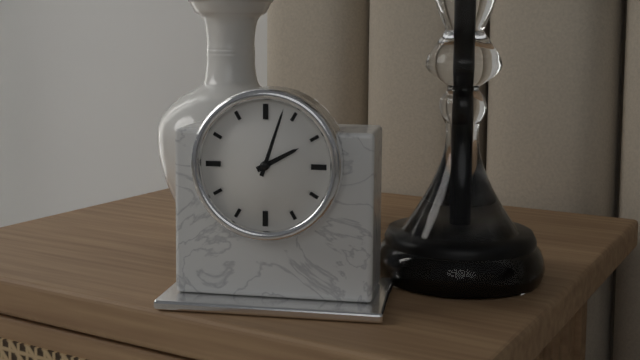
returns 2,03
